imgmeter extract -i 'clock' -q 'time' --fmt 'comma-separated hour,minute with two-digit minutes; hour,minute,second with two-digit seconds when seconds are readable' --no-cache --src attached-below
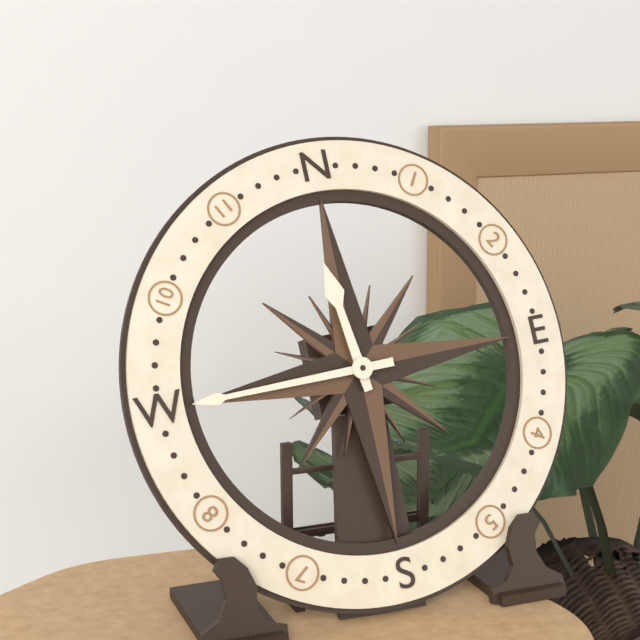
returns 11,45
